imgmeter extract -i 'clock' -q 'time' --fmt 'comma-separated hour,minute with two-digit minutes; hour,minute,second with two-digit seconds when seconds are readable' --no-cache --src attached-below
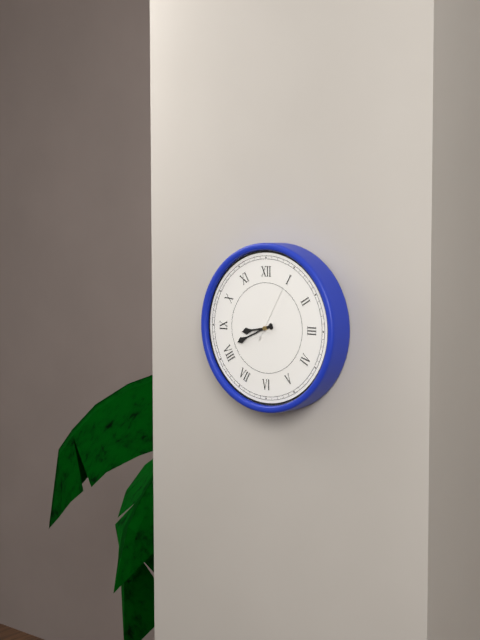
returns 8,41,05
